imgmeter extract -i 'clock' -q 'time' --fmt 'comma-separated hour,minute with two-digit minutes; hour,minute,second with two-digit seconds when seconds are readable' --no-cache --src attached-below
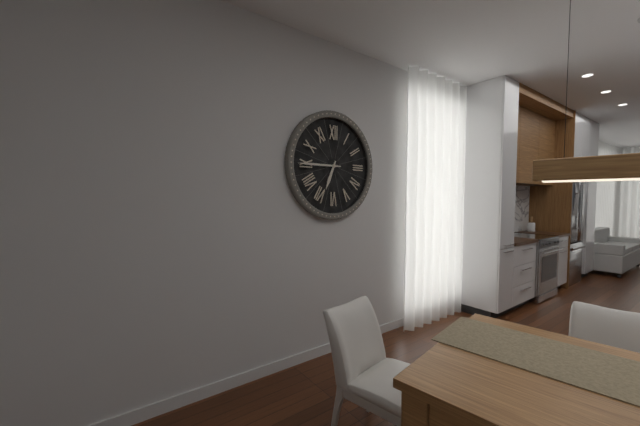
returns 6,45
